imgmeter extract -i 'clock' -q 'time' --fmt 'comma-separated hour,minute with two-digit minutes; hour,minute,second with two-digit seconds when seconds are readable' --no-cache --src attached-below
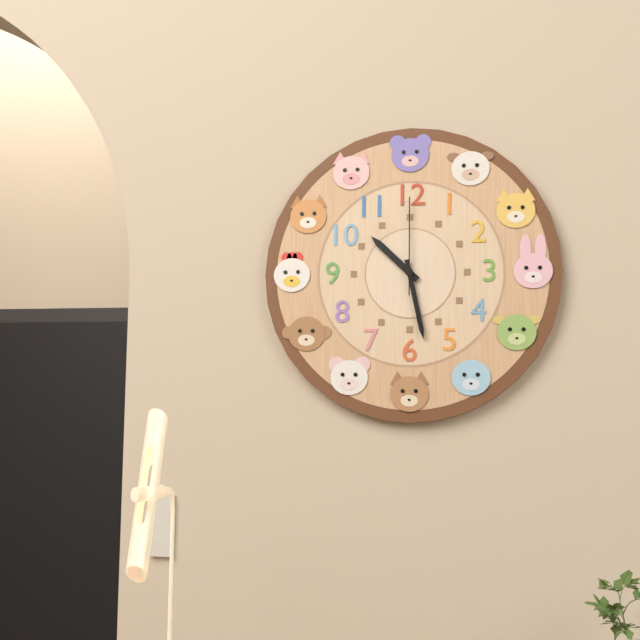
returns 10,28,00
